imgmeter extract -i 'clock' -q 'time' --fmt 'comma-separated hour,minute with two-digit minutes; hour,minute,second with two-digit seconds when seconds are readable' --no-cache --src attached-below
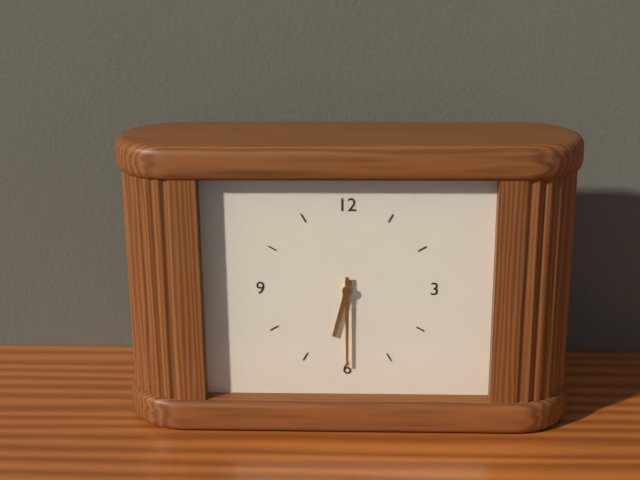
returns 6,30
